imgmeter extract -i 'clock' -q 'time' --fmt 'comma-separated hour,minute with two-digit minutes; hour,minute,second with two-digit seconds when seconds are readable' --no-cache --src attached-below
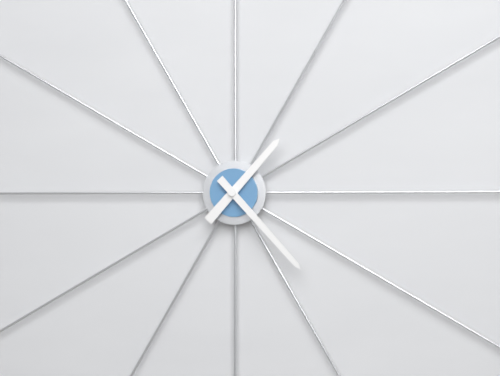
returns 1,23
